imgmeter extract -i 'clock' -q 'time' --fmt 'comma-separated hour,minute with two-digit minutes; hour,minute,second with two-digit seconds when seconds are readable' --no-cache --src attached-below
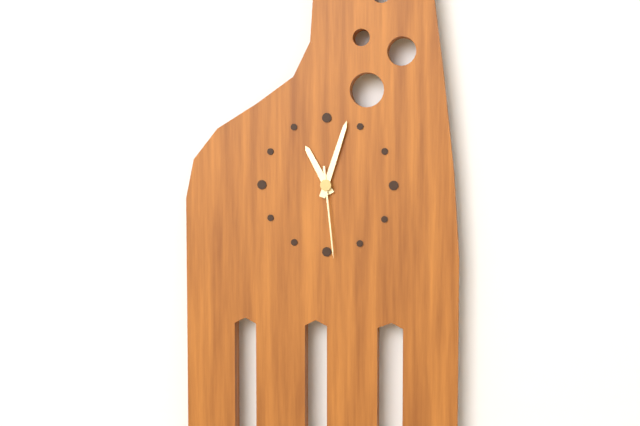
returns 11,03,29
